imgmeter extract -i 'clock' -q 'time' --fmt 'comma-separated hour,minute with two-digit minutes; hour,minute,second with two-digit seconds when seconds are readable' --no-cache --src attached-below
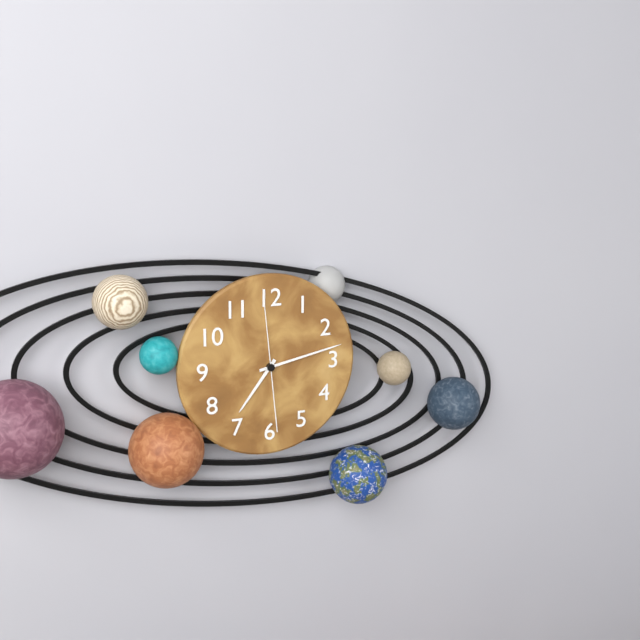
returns 7,13,59
